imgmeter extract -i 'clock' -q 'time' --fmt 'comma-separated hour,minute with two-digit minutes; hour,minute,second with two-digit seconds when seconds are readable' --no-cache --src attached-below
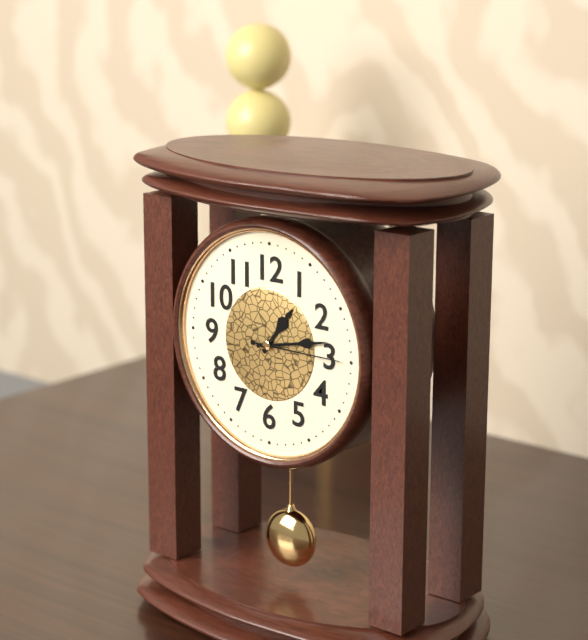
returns 1,13,15
